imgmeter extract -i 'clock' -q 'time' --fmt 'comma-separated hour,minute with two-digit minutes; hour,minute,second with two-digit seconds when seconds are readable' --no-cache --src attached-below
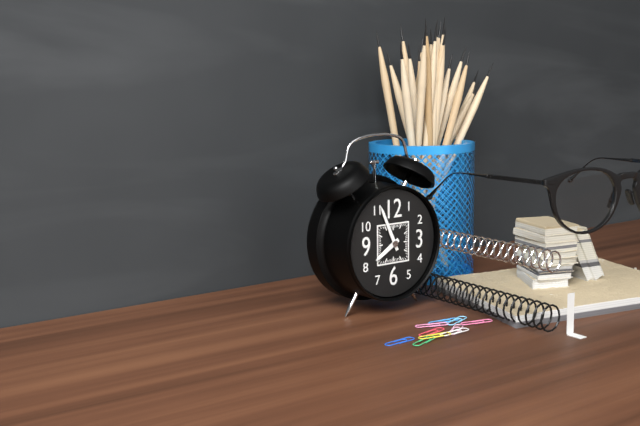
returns 7,56
